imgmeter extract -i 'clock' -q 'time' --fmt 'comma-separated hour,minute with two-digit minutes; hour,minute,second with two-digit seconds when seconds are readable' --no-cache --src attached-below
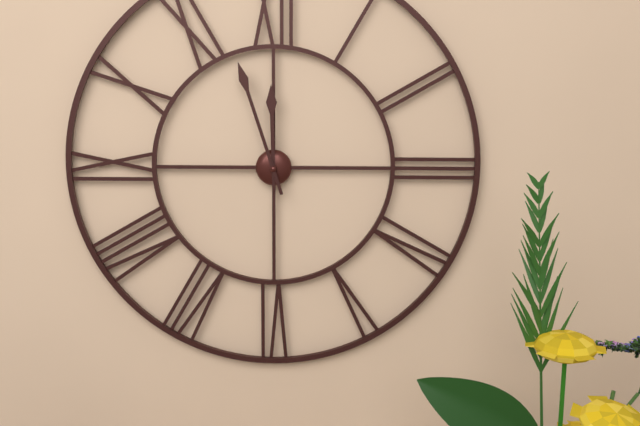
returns 11,57
